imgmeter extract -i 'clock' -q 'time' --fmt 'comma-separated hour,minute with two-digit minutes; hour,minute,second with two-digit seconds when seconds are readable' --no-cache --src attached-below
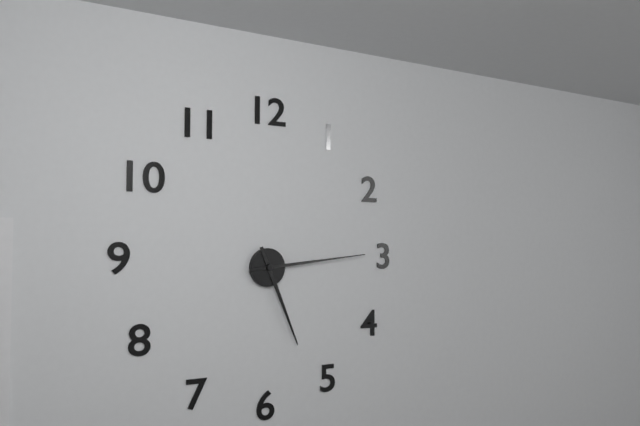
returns 5,14
